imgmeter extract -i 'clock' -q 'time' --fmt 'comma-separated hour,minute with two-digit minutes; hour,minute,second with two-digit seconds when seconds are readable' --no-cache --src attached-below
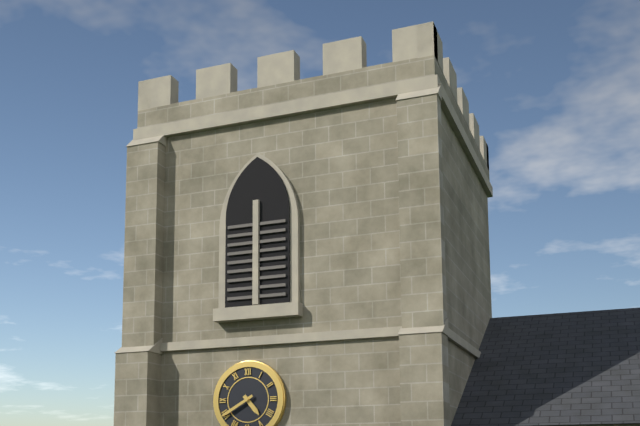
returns 4,40
